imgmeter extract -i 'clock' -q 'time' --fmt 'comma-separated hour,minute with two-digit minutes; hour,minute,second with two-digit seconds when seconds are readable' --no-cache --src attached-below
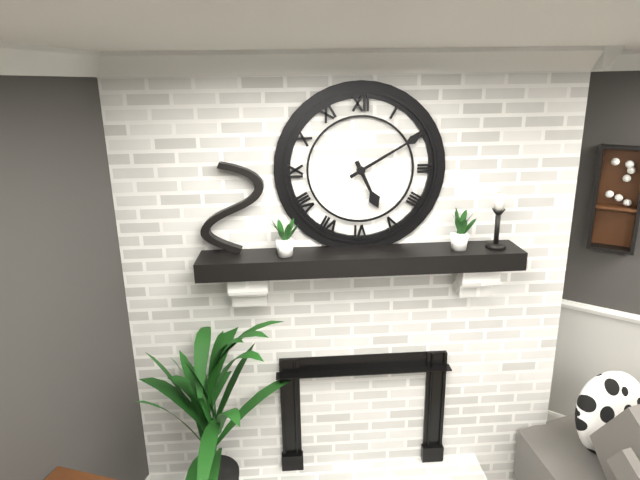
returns 5,10
